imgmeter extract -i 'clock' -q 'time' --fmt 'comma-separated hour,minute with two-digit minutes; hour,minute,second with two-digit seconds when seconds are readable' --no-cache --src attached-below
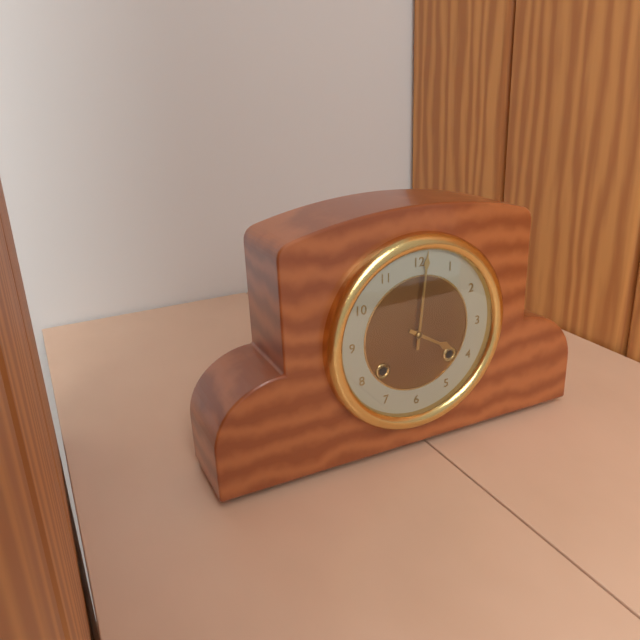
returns 4,01
